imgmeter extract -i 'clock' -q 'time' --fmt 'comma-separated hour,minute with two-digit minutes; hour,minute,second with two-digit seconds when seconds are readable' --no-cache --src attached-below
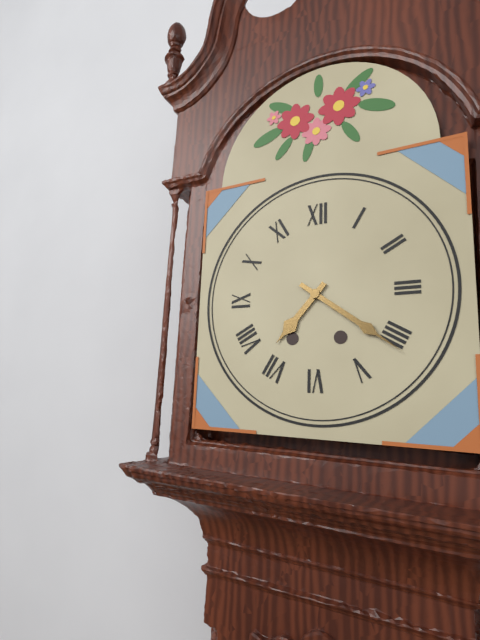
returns 7,21
